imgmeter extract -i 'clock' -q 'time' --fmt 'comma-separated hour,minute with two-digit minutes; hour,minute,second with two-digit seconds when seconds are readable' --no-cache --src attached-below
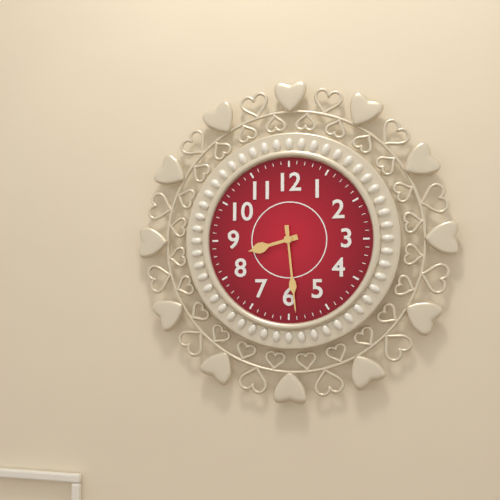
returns 8,29
